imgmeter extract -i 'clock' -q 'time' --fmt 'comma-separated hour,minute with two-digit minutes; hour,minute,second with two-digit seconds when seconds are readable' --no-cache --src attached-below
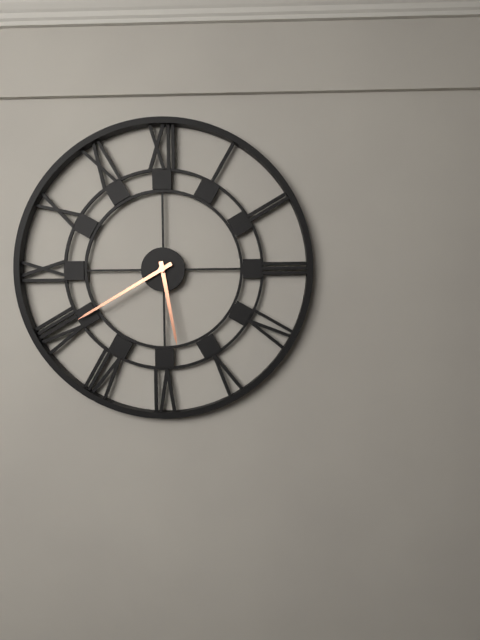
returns 5,40
